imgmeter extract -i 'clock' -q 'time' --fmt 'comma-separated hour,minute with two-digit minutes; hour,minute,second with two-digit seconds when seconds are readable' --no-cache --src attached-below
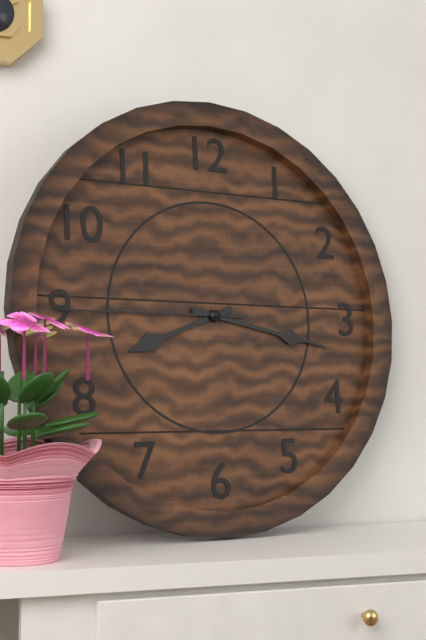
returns 8,17,45
